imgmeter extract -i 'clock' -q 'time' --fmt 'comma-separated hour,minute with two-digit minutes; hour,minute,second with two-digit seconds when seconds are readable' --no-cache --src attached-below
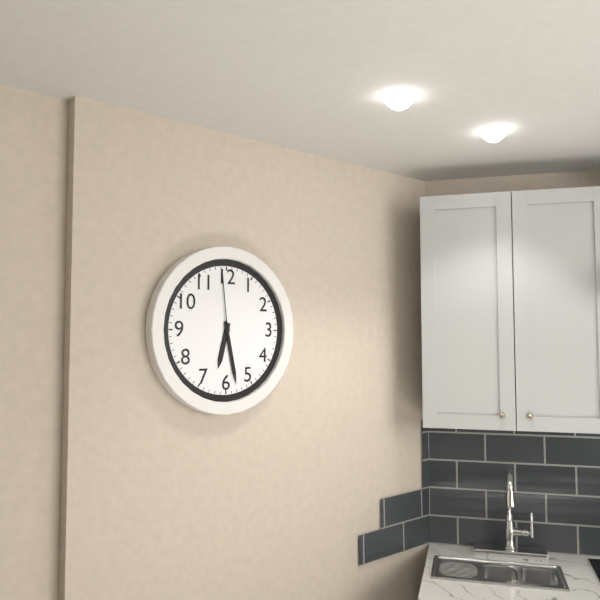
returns 6,28,59
